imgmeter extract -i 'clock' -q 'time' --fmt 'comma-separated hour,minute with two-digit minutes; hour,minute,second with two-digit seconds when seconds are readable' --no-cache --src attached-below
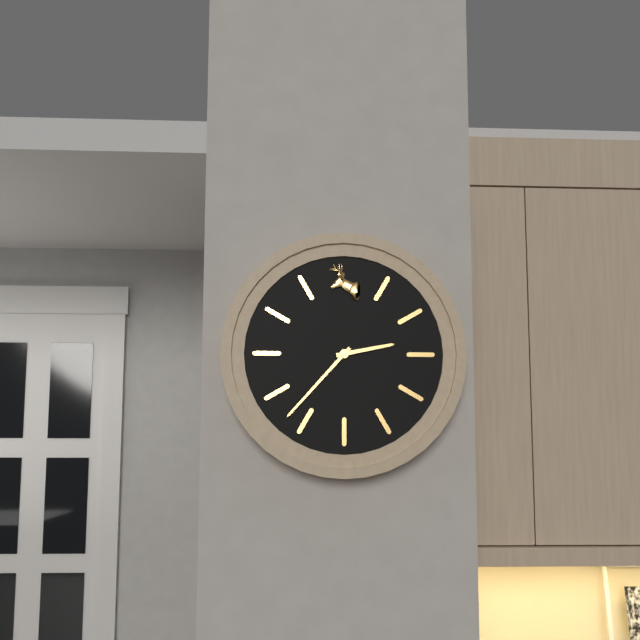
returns 2,37
